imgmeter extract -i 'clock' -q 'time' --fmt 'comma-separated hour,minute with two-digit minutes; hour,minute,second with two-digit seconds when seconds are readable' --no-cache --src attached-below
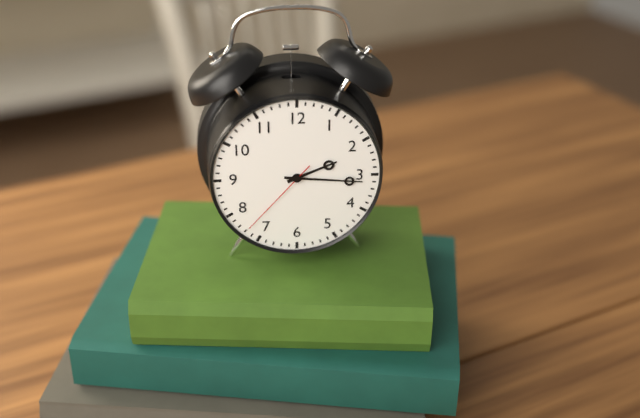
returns 2,16,37
